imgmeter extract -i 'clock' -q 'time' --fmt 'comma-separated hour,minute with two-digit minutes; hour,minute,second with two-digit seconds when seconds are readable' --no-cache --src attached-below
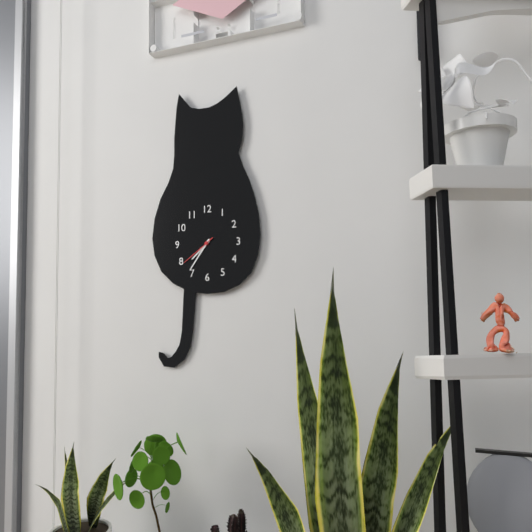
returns 7,36
